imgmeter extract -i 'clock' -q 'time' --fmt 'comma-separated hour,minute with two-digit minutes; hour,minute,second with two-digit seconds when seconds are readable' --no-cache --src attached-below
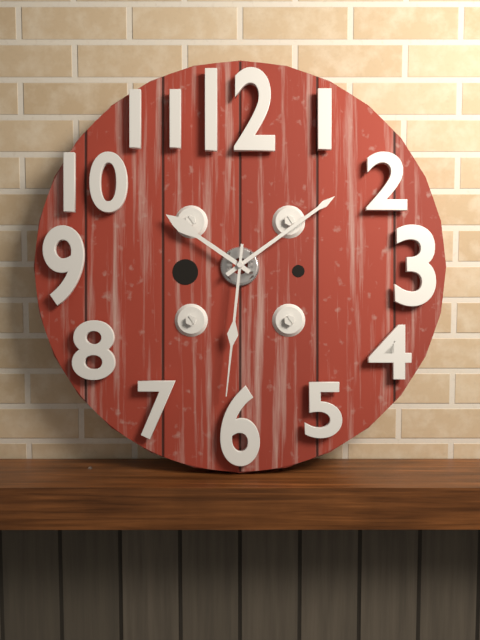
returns 10,09,31
